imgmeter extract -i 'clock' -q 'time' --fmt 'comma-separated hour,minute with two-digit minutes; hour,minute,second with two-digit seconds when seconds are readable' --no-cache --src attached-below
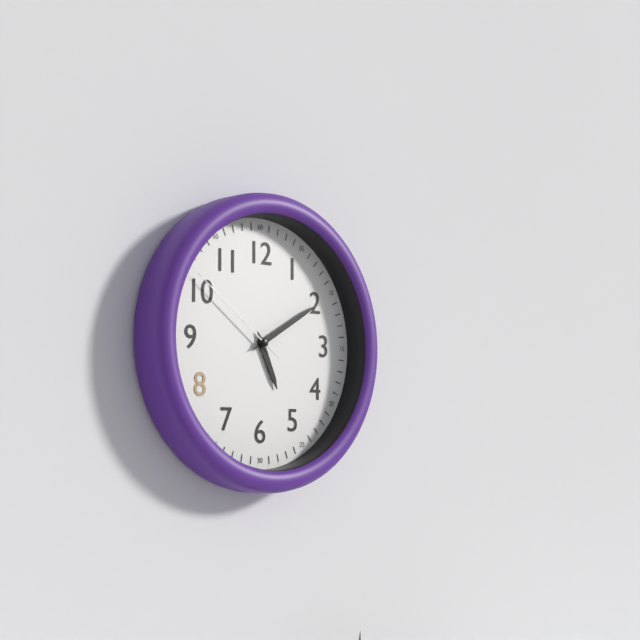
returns 5,10,51
